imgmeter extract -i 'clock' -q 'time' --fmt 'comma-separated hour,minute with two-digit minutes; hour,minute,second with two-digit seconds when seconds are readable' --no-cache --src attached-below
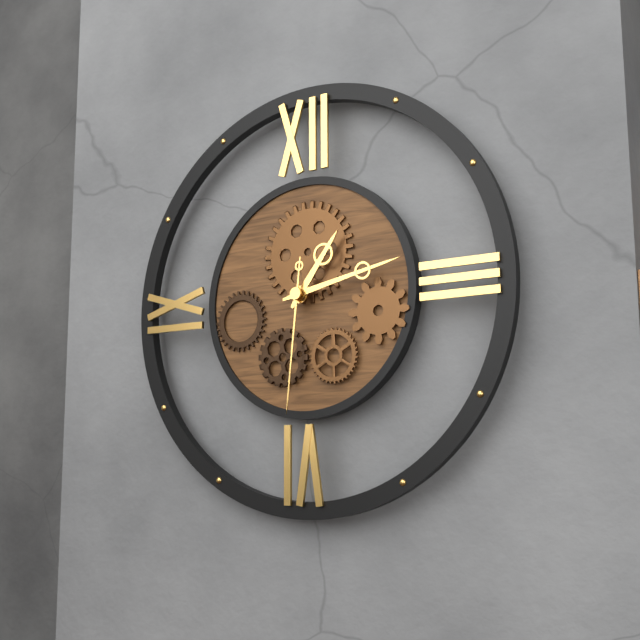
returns 1,13,31
